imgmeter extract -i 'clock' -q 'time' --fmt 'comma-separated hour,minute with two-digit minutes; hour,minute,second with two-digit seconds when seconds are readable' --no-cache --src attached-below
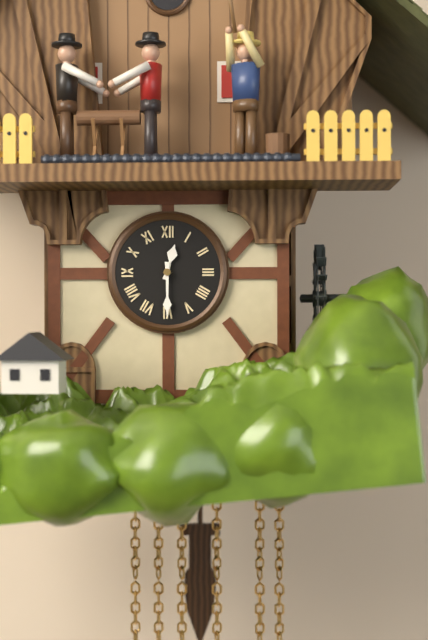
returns 12,30
